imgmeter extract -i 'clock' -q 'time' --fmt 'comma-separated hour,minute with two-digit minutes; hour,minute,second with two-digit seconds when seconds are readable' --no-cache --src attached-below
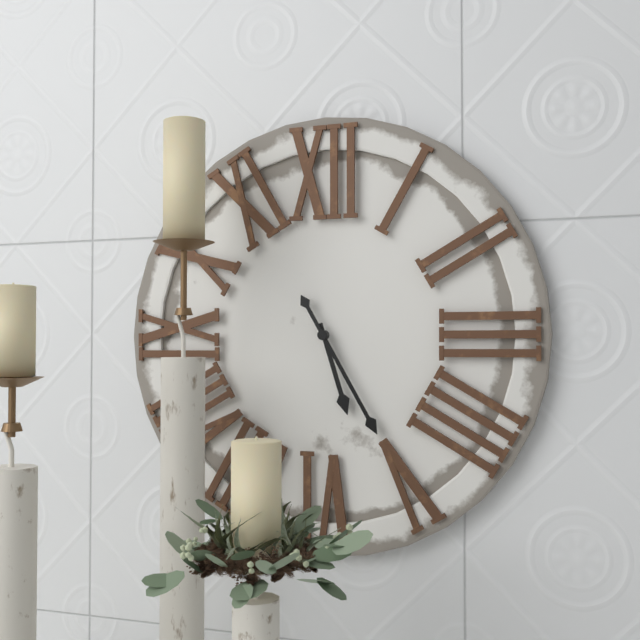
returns 5,25
